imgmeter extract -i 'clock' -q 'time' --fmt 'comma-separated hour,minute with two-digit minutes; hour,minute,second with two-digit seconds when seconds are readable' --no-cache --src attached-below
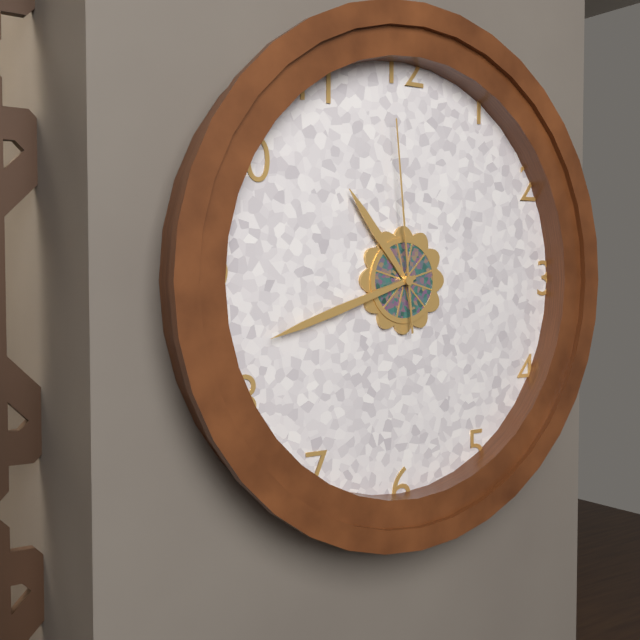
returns 10,42,59
